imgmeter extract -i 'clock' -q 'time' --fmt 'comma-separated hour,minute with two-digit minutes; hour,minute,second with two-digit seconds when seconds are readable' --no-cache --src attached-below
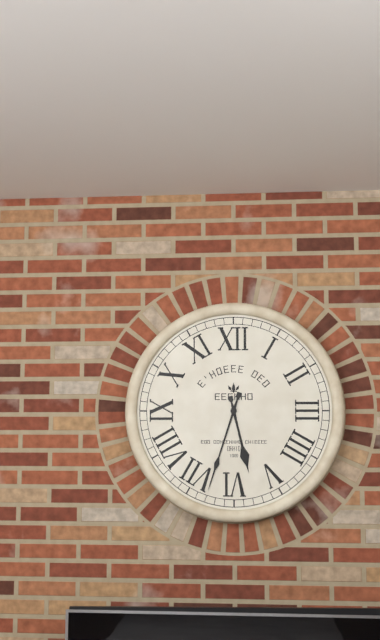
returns 5,33
